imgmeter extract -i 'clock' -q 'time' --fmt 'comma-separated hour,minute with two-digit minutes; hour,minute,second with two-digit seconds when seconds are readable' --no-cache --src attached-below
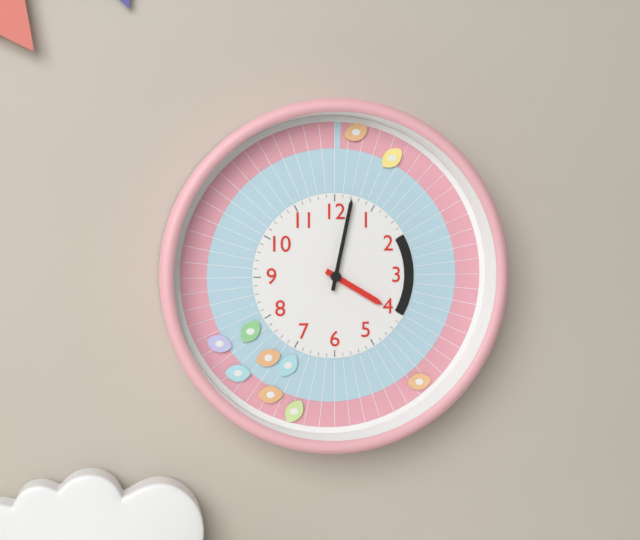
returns 4,02
